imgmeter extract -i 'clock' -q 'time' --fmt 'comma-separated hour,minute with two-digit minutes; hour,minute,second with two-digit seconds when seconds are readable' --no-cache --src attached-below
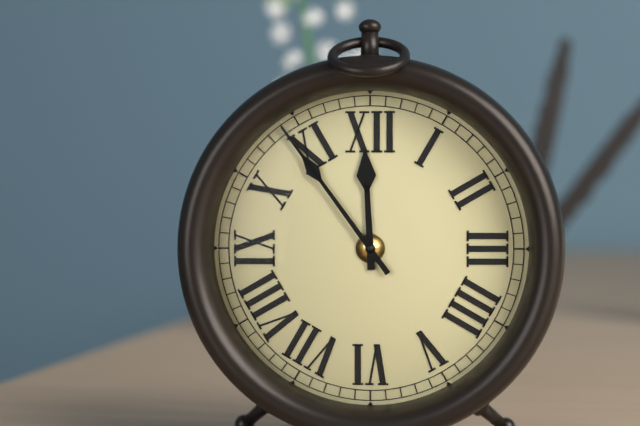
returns 11,54
